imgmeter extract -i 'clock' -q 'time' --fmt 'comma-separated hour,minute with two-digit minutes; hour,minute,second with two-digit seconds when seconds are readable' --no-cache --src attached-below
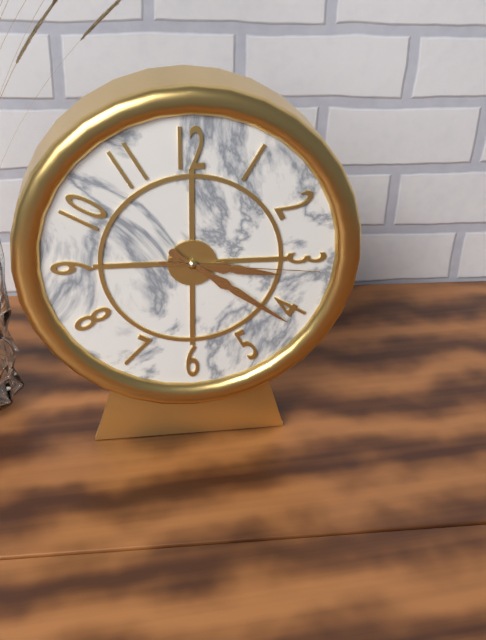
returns 3,21,16
